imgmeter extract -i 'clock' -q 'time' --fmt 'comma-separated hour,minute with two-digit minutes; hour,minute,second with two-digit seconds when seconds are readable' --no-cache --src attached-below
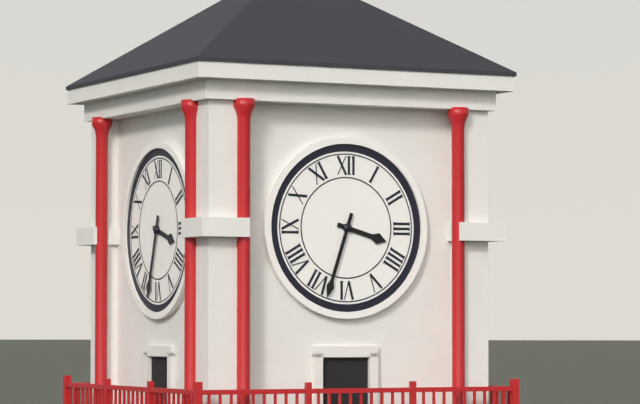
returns 3,33
